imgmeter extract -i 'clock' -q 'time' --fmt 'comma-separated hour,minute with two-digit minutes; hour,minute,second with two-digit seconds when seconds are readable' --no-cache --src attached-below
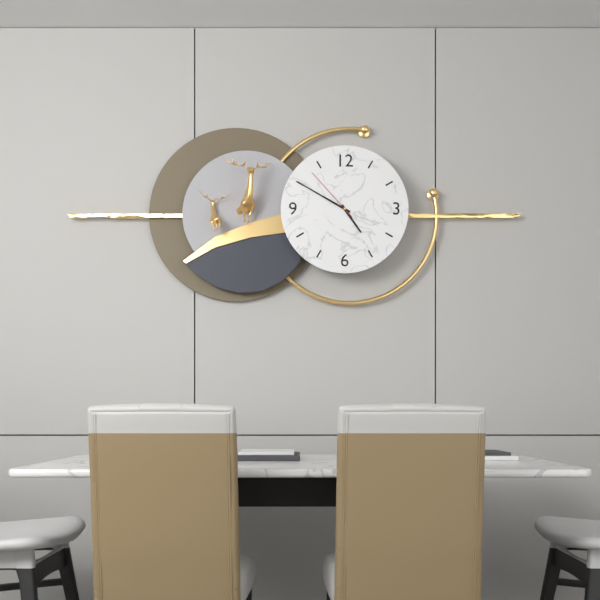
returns 4,50,53
